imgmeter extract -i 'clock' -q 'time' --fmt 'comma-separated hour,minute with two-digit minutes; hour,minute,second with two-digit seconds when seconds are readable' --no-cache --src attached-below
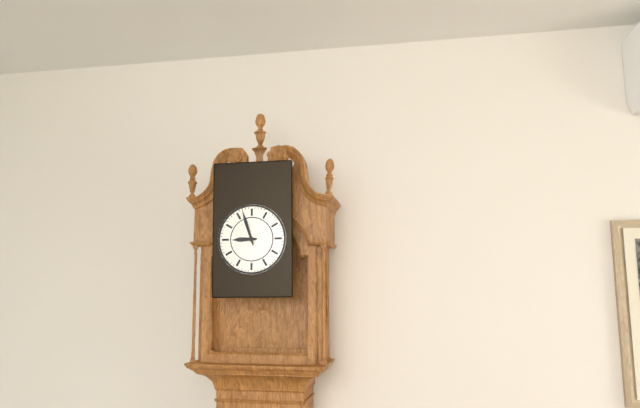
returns 8,57
